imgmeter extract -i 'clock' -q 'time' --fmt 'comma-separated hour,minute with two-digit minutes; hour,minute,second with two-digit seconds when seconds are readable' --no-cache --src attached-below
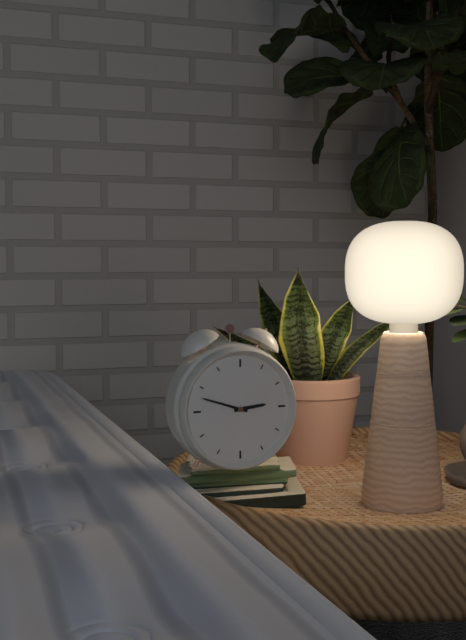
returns 2,48
